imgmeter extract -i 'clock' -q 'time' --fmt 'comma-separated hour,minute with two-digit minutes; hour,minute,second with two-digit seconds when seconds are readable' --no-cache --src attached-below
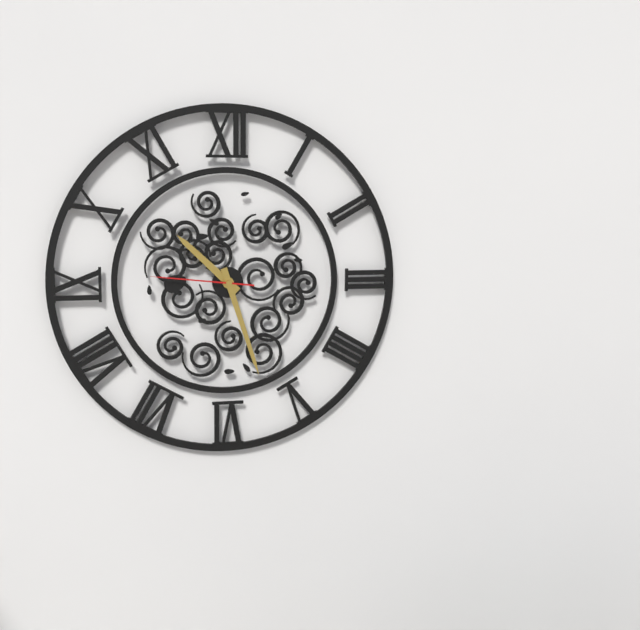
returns 10,27,46
